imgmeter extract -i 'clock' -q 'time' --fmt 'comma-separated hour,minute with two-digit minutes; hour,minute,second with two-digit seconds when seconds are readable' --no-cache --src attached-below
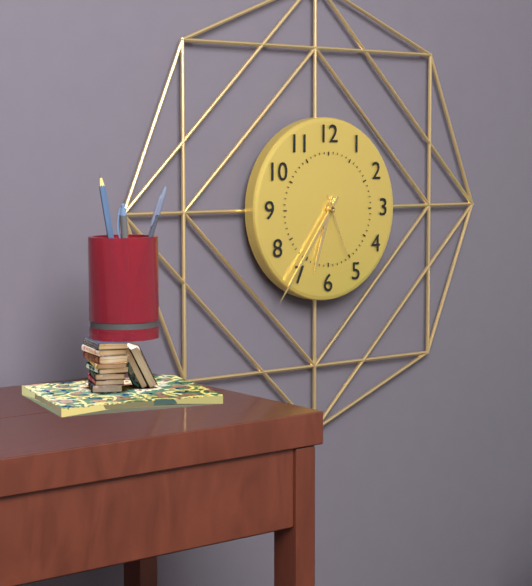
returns 6,36,26
